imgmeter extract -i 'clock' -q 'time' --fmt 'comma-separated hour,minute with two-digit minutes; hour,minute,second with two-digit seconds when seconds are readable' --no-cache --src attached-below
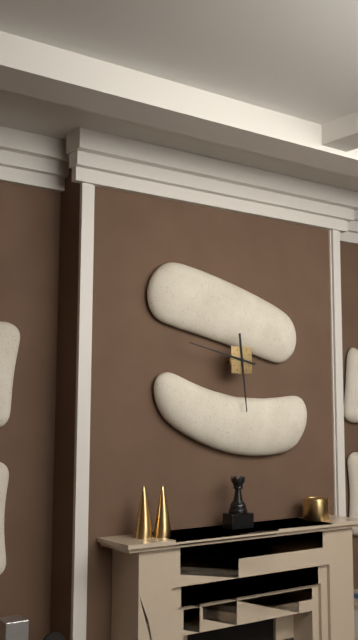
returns 5,47
